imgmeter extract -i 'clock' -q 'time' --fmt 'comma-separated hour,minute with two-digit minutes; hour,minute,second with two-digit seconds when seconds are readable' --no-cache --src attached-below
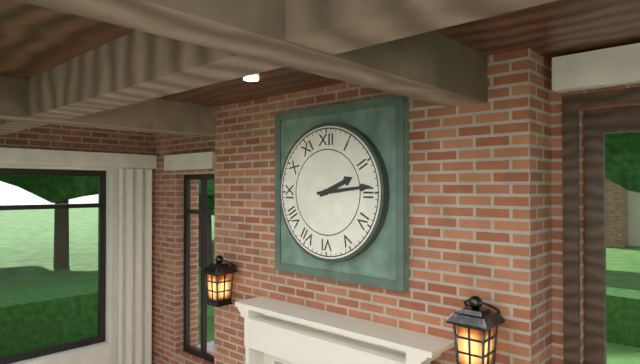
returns 2,14
